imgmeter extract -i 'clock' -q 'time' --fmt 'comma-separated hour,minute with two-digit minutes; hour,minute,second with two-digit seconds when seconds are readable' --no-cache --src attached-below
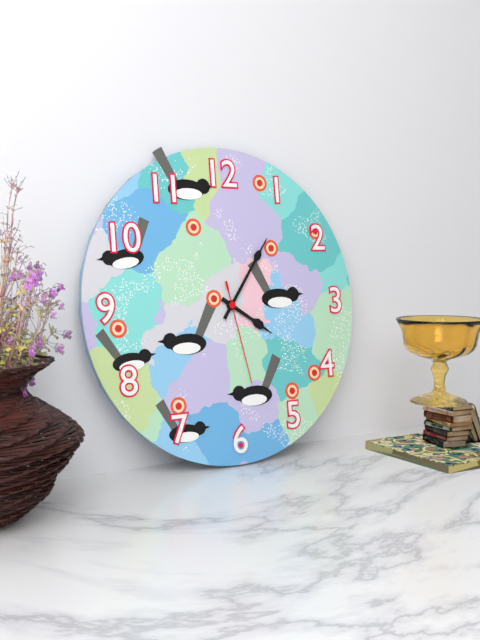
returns 4,06,28
